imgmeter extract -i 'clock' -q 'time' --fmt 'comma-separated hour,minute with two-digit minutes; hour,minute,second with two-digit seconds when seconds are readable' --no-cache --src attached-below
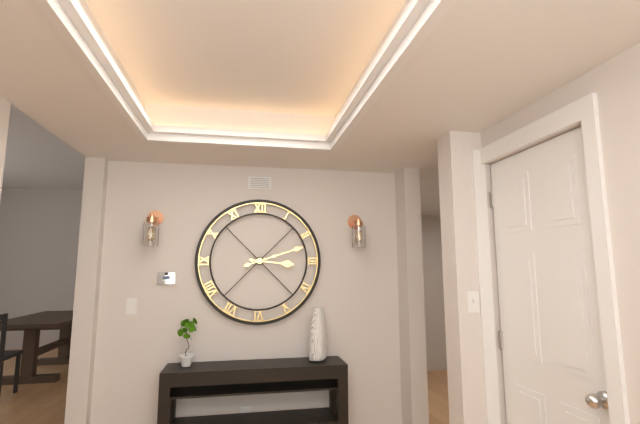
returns 3,12
